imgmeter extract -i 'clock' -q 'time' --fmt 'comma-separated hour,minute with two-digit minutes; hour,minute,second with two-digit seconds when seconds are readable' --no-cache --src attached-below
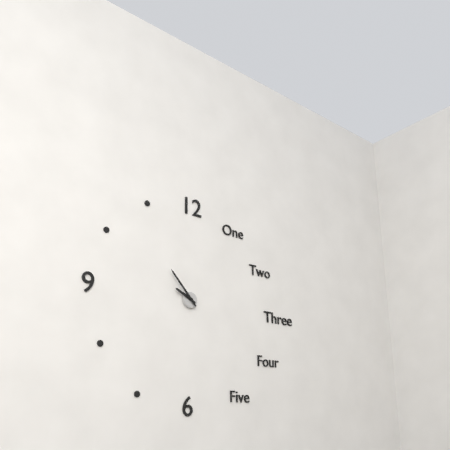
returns 9,53
